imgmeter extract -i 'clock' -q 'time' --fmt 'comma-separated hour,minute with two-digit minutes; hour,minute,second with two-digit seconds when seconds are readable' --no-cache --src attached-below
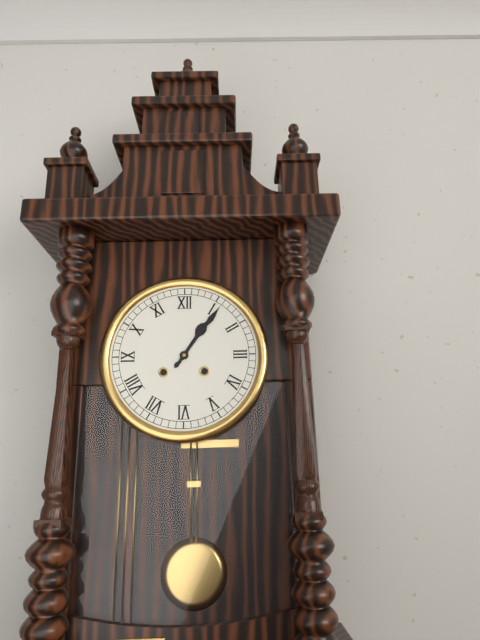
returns 1,06
